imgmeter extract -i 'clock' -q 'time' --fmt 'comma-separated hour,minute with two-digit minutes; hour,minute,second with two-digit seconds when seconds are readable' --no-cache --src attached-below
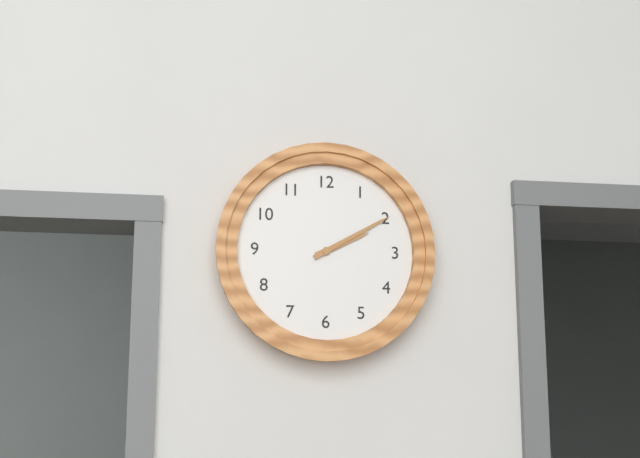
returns 2,10
